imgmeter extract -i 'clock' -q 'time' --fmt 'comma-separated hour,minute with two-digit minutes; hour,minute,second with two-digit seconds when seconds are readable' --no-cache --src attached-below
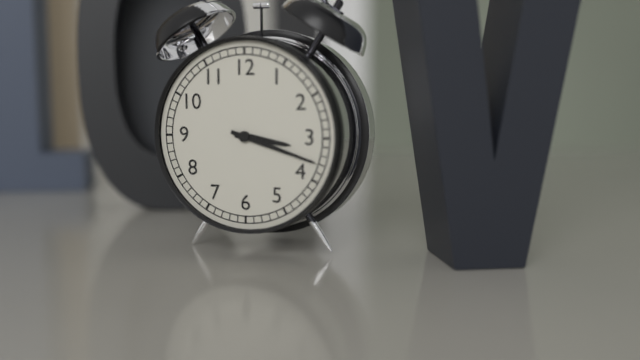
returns 3,18
